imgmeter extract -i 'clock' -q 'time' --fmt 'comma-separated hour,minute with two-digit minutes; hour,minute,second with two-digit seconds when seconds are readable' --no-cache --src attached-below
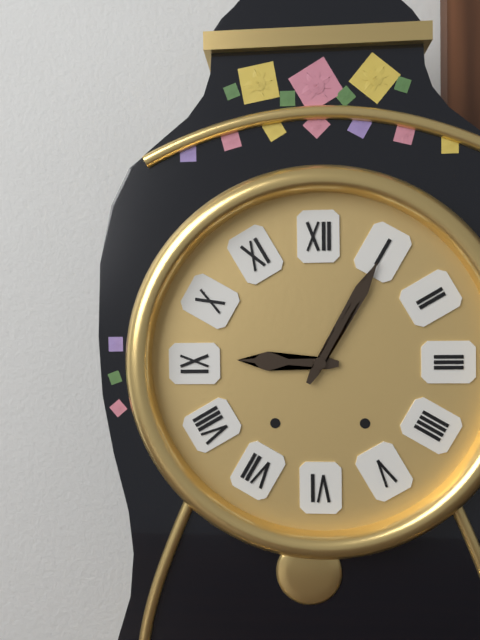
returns 9,05
